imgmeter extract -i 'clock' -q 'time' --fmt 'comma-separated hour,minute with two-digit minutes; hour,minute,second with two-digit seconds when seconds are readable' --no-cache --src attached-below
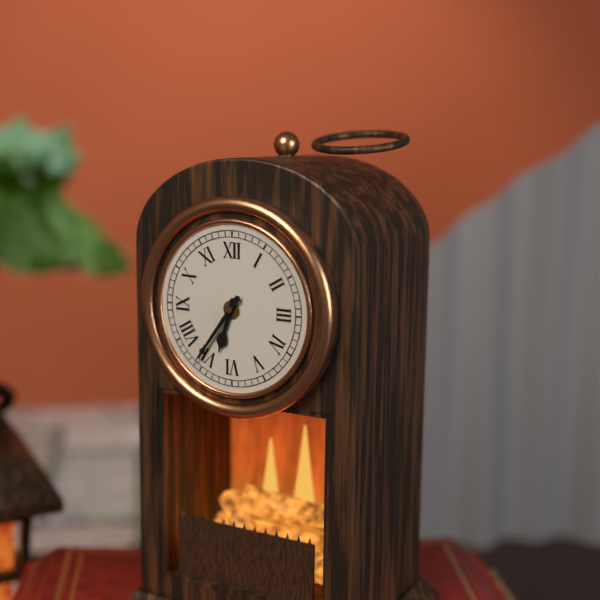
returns 6,36
